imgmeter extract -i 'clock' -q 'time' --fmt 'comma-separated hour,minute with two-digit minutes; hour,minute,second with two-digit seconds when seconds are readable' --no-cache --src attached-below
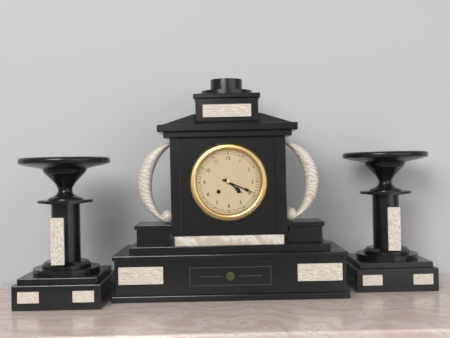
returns 4,19
